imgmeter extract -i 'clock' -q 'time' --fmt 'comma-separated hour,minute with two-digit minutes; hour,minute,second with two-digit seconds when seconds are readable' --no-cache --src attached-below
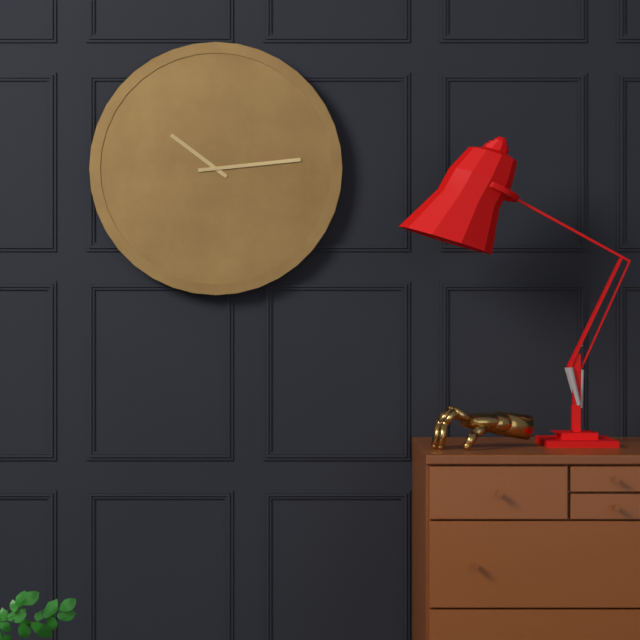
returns 10,14
